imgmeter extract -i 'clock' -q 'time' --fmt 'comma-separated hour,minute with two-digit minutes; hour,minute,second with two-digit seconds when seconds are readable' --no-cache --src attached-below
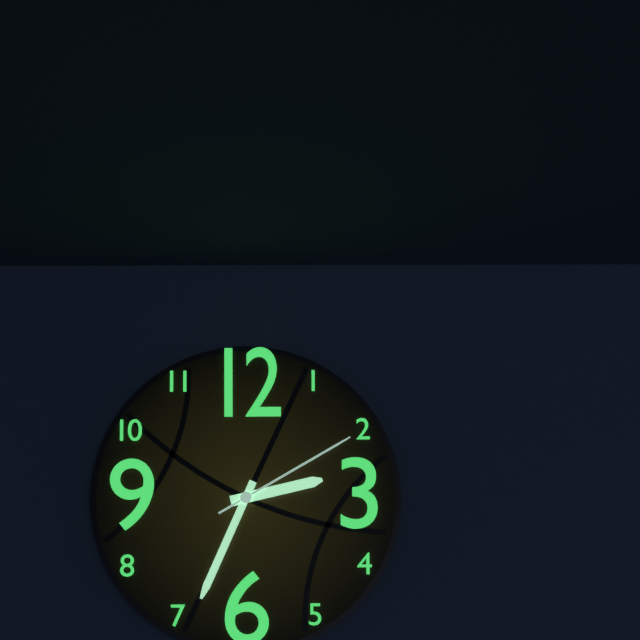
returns 2,34,10
